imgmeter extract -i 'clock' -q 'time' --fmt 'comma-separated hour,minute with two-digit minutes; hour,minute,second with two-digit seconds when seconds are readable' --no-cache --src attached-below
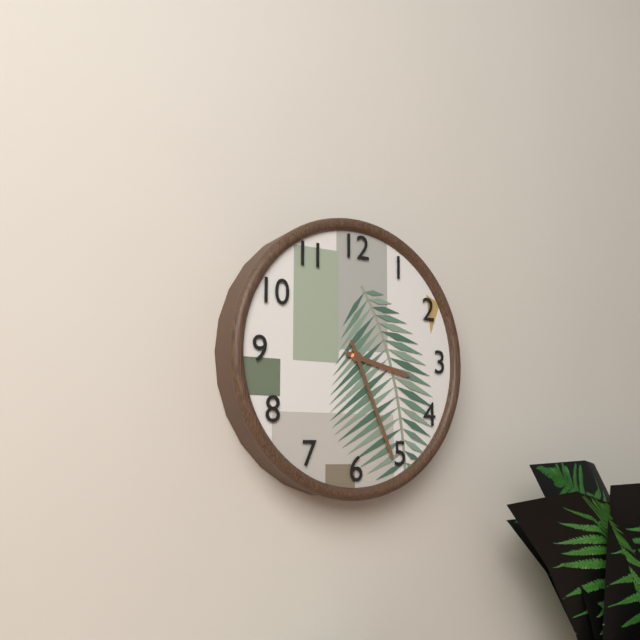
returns 3,26
